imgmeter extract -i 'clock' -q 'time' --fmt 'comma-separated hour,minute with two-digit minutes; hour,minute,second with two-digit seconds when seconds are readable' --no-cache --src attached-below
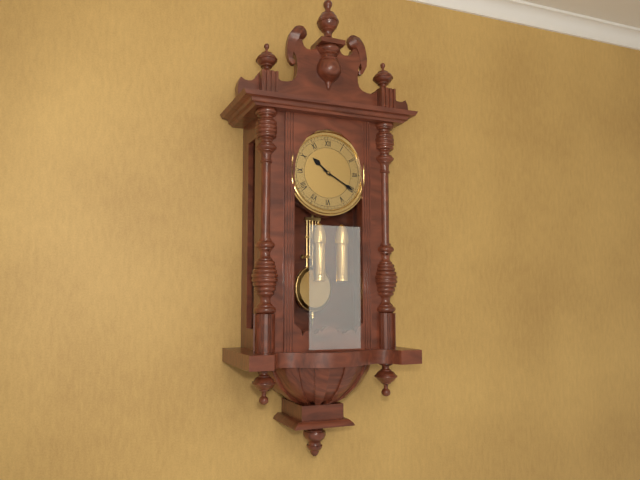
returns 10,20
